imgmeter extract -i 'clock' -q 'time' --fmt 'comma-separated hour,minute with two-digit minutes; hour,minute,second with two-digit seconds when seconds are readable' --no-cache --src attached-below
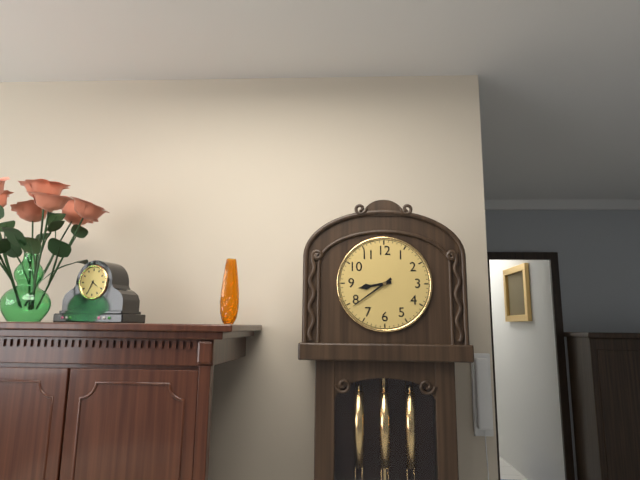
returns 8,39
